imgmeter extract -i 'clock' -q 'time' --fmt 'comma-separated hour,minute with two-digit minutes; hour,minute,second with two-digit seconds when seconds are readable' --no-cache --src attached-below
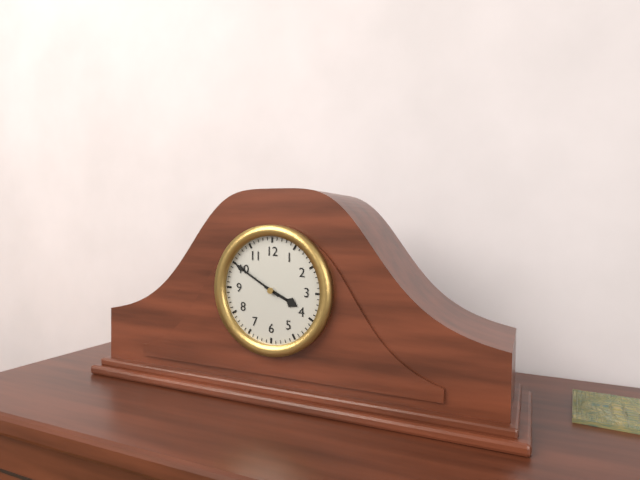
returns 3,50
